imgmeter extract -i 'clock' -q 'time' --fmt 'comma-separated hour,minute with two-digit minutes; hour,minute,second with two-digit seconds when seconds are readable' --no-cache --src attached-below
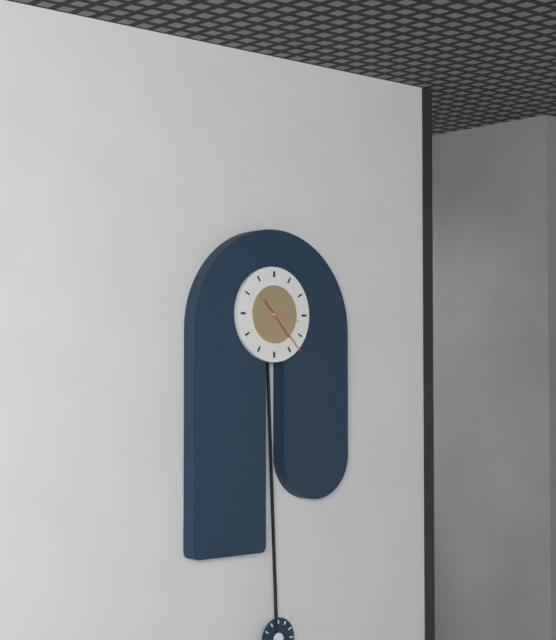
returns 3,23
